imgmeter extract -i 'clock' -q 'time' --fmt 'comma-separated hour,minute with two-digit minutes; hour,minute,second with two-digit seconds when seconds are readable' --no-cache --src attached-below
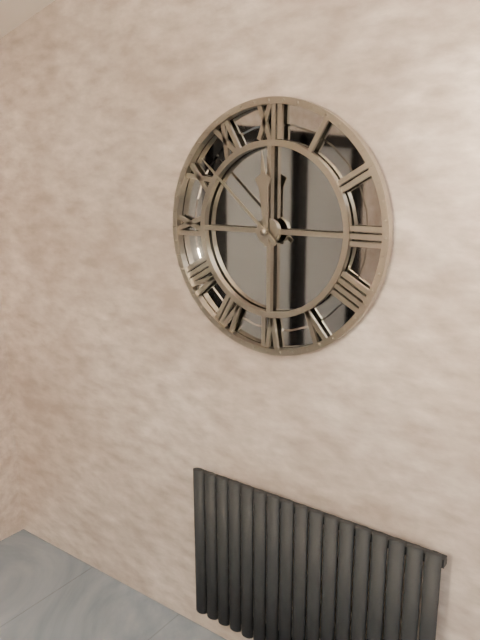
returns 11,52
